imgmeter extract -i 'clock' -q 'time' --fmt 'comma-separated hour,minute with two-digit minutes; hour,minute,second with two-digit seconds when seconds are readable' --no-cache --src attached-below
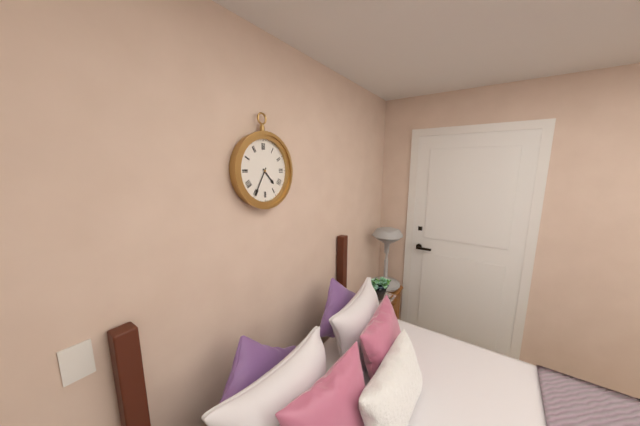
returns 4,35
